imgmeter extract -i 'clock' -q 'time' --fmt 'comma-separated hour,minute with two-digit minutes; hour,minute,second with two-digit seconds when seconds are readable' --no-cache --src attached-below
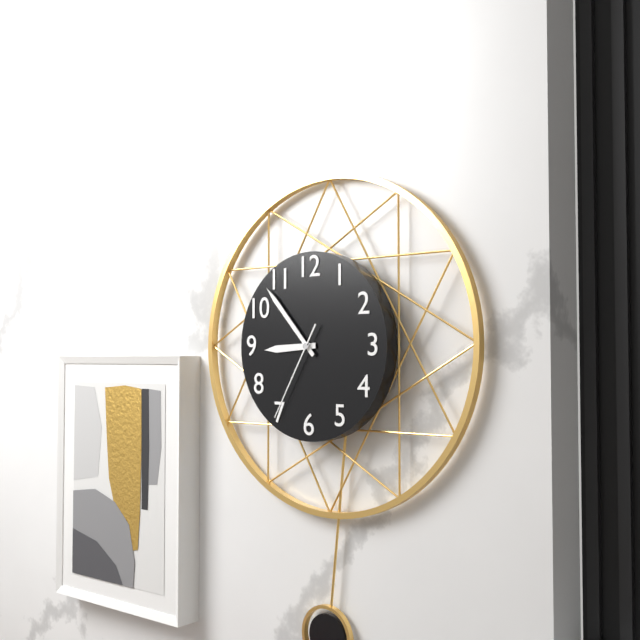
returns 8,53,35
